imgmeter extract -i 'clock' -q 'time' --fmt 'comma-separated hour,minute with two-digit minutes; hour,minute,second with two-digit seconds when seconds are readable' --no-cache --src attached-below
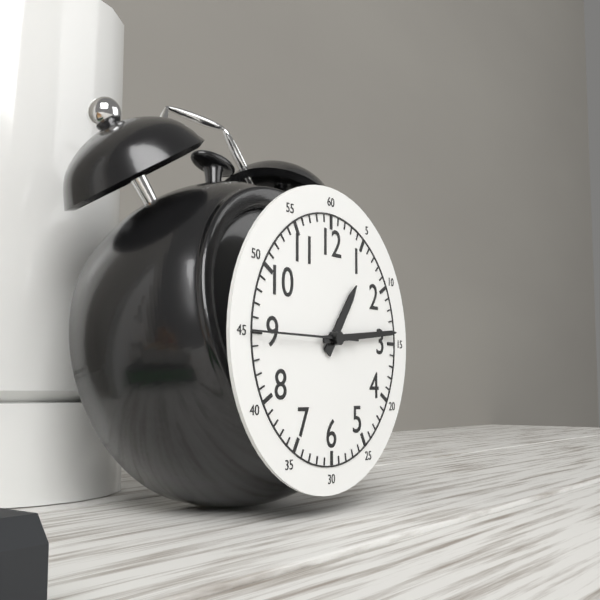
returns 1,14,45
